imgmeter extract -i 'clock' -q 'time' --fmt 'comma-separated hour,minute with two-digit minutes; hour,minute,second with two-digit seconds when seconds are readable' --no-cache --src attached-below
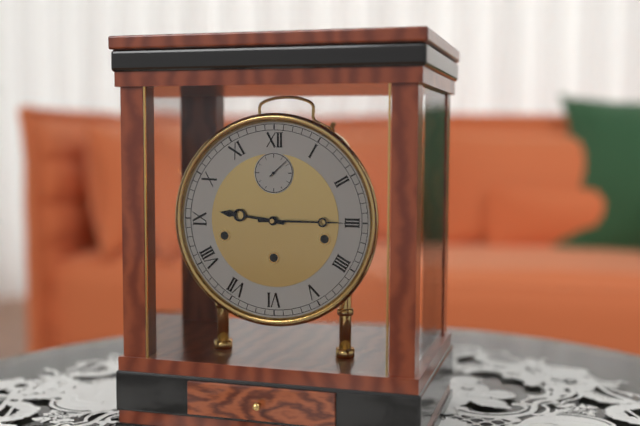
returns 9,15
